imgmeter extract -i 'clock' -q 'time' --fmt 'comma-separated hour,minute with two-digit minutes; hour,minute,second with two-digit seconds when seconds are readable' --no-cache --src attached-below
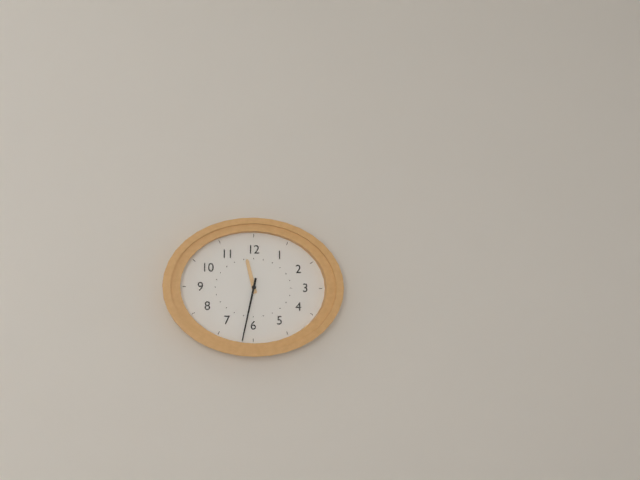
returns 11,32
